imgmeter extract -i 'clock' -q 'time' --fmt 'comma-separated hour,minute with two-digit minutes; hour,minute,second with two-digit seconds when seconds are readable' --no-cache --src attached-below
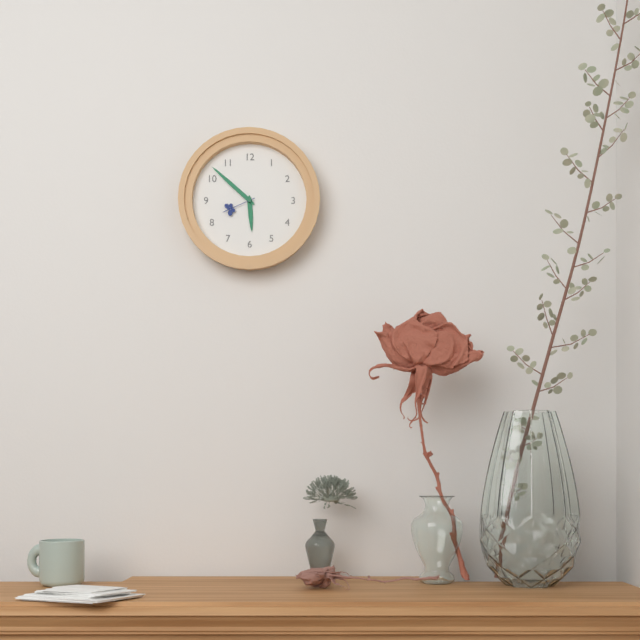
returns 5,52
